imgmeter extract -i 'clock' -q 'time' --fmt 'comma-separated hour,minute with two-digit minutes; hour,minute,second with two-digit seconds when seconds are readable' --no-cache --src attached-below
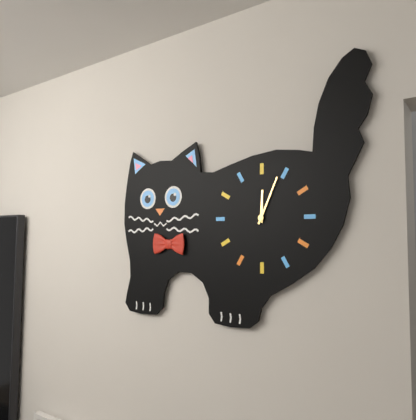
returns 12,04
